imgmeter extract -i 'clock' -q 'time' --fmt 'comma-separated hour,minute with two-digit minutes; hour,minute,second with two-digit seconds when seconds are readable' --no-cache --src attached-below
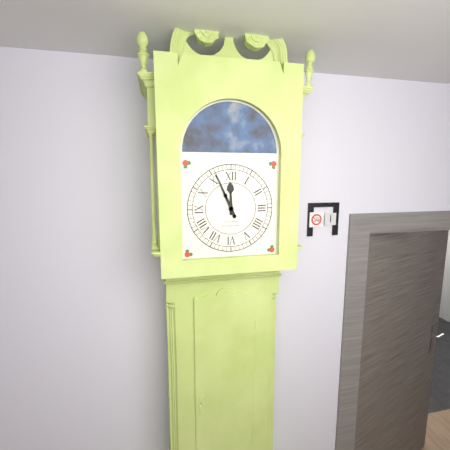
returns 11,56
